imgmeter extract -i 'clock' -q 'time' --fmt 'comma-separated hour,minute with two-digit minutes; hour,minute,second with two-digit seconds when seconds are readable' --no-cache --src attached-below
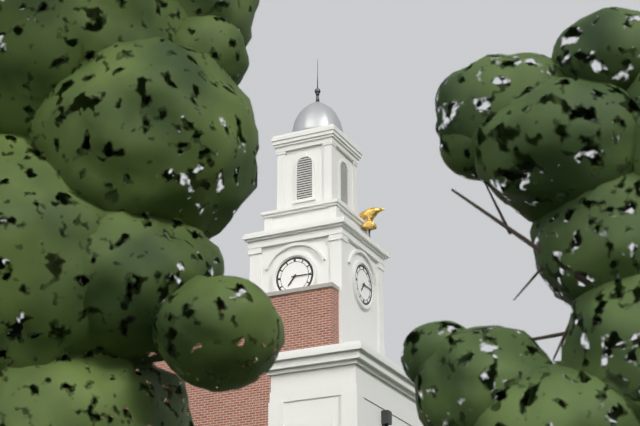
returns 7,15
